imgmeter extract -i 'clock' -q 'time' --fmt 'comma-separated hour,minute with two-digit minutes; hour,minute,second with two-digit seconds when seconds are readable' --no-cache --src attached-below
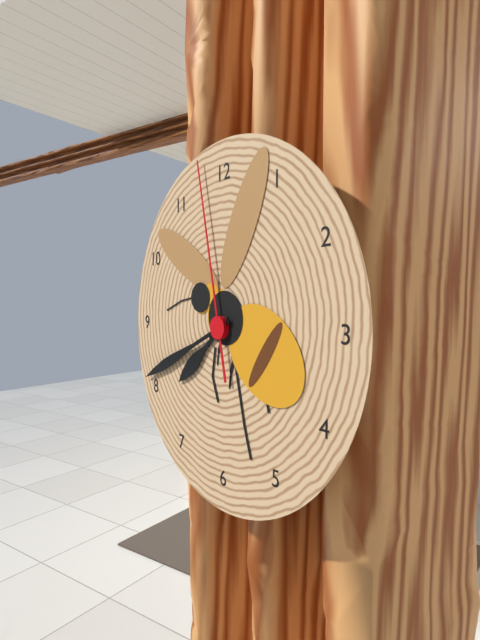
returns 7,41,58
